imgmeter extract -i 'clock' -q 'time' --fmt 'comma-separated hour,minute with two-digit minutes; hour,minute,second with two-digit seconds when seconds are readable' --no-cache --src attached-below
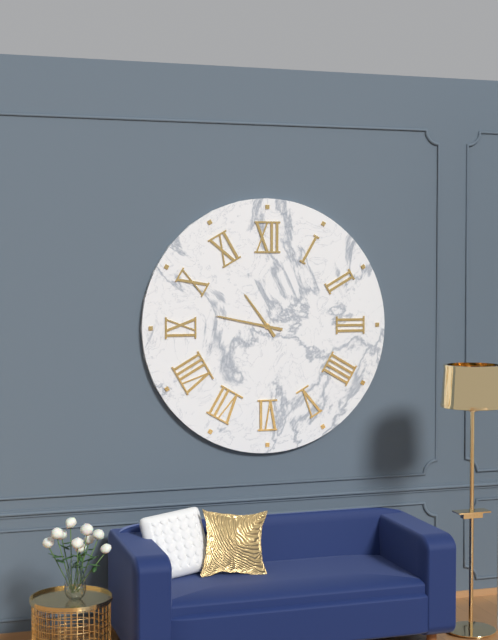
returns 10,47
